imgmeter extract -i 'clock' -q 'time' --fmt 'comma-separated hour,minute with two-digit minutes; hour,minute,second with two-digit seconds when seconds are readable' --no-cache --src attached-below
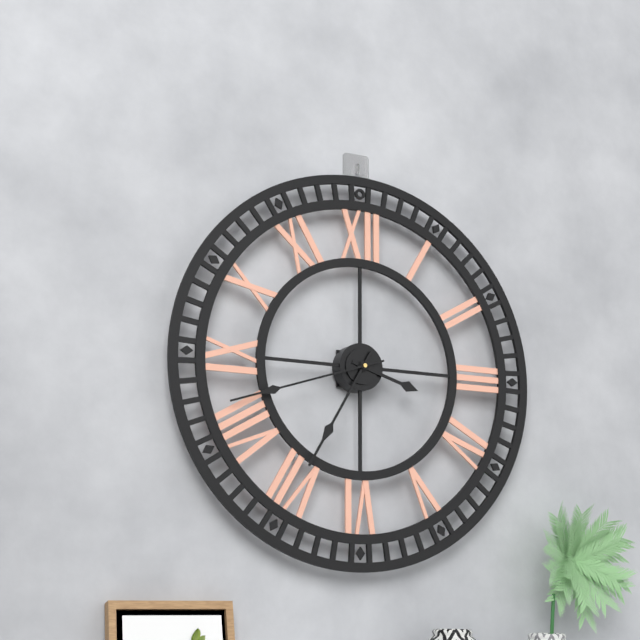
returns 3,35,42
